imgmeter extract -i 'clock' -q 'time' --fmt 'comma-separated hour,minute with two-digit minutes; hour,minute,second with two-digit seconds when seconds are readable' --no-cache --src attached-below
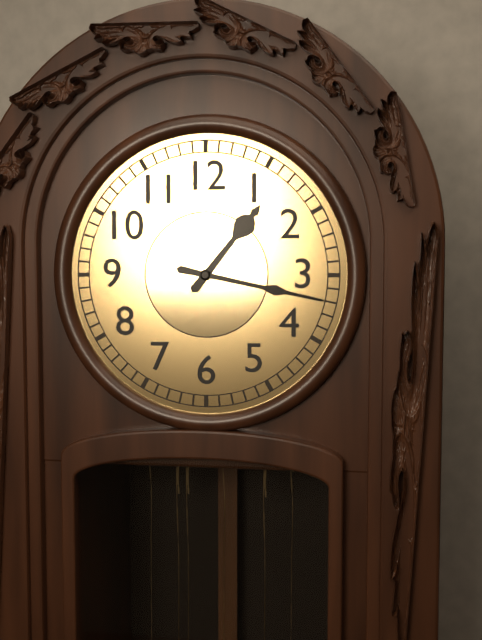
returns 1,17
